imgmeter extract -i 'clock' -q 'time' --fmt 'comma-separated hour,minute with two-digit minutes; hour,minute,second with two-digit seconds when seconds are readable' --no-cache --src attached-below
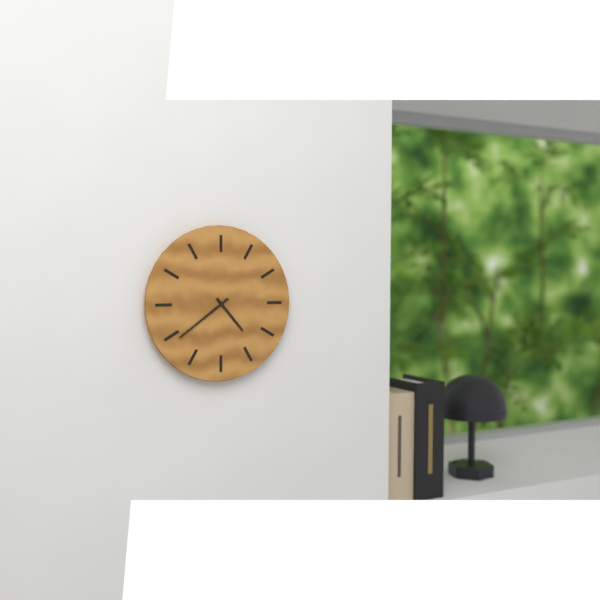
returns 4,39
